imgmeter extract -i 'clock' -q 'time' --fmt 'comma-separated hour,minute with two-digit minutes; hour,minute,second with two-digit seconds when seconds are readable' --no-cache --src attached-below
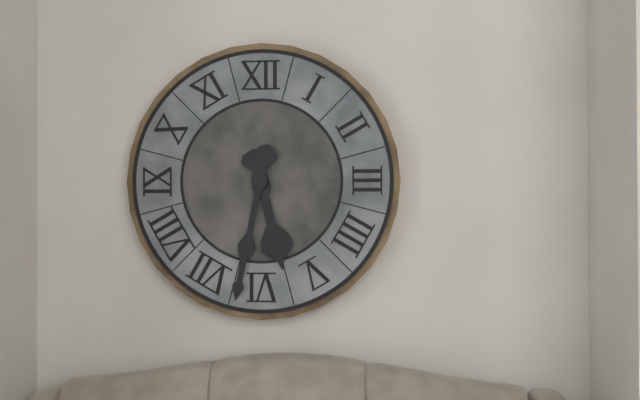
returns 5,32
